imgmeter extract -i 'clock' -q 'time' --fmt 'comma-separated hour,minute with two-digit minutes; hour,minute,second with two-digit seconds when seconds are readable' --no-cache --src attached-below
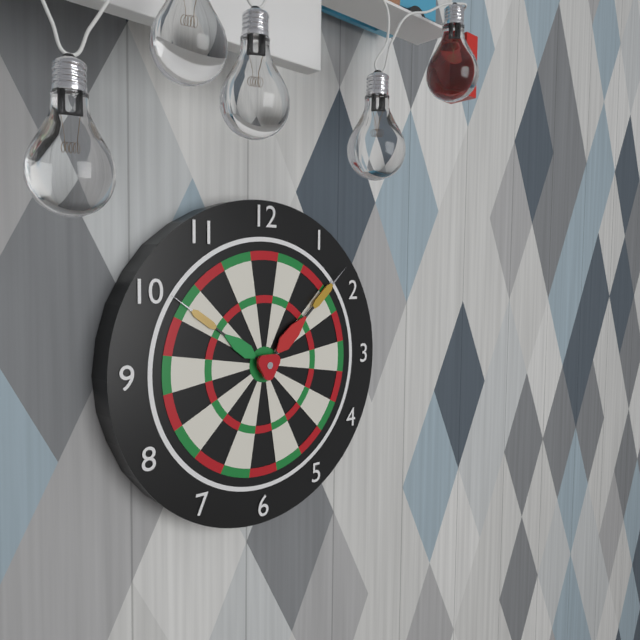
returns 10,08
